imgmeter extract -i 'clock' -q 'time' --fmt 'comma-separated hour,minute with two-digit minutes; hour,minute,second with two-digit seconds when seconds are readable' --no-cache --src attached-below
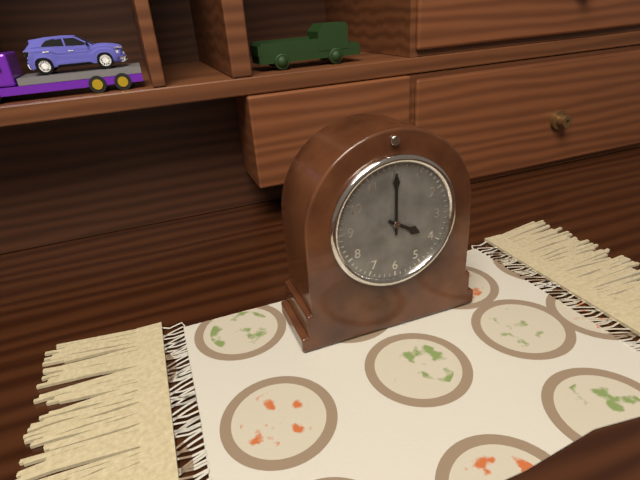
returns 4,00
